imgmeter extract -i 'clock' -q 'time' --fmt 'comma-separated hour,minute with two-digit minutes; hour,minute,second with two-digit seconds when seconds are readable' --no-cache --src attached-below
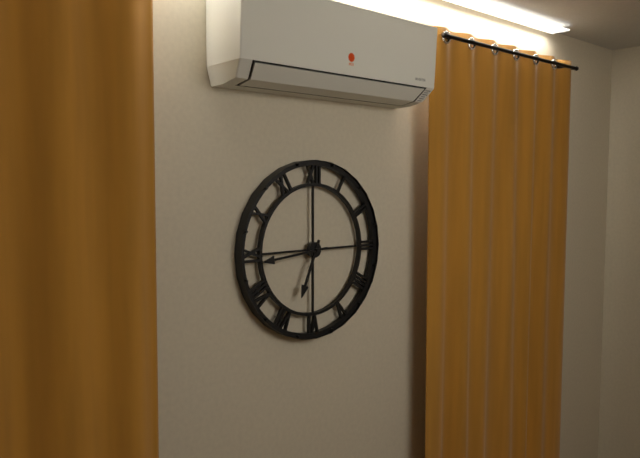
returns 6,44
